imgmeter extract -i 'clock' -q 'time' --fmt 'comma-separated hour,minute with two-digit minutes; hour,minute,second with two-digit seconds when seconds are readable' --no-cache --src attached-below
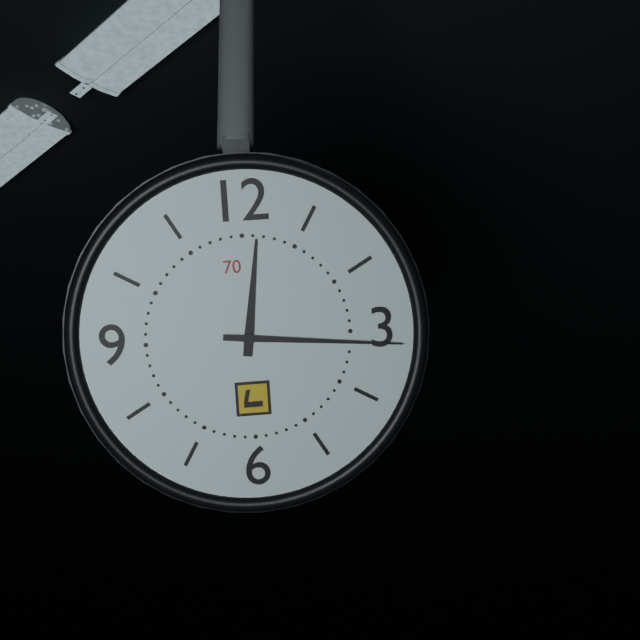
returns 12,16
